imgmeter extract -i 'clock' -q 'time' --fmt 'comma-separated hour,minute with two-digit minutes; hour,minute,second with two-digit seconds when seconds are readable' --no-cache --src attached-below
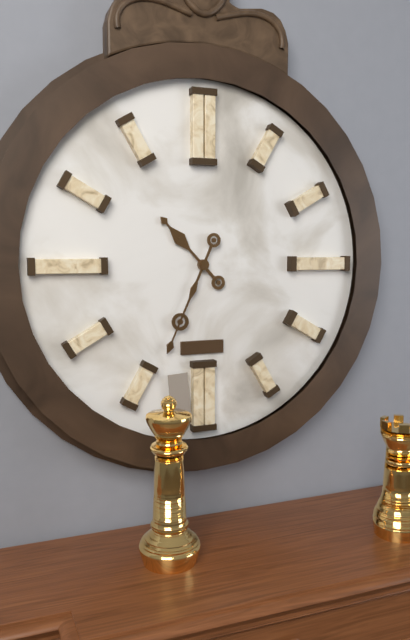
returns 10,34
